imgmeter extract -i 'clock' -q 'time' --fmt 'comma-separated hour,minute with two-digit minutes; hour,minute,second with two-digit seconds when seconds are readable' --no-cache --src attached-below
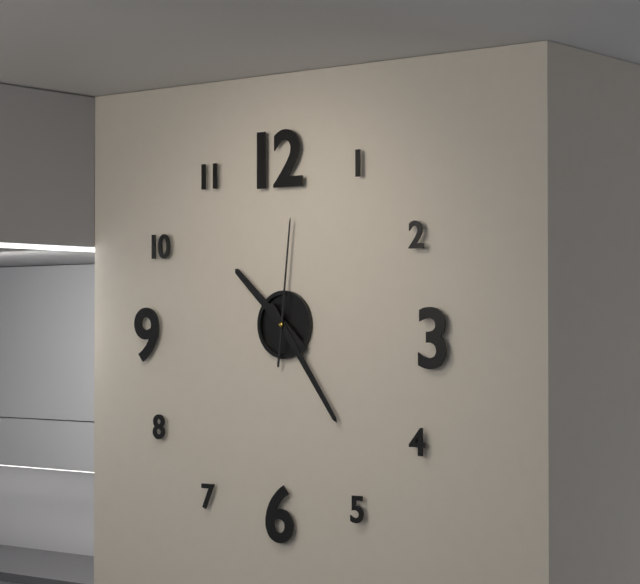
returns 10,24,01
